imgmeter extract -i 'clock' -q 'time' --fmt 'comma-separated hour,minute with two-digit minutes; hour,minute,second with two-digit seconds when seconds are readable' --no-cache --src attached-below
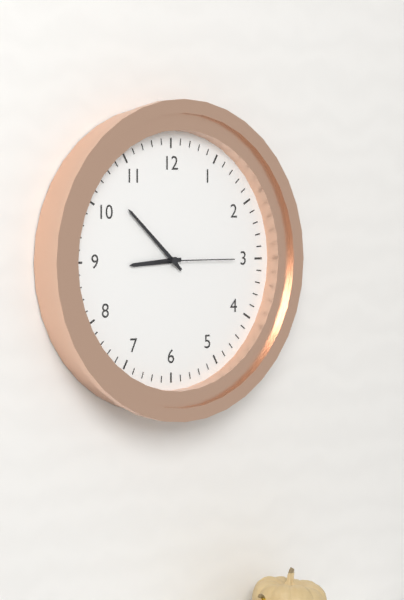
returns 8,52,15
